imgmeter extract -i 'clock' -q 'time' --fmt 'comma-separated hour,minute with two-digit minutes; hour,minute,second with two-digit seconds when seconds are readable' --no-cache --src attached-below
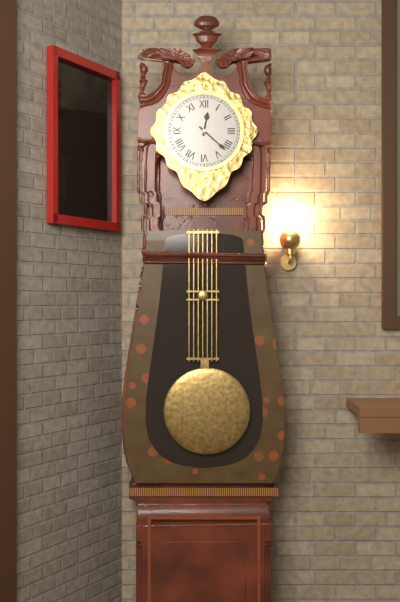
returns 12,22
